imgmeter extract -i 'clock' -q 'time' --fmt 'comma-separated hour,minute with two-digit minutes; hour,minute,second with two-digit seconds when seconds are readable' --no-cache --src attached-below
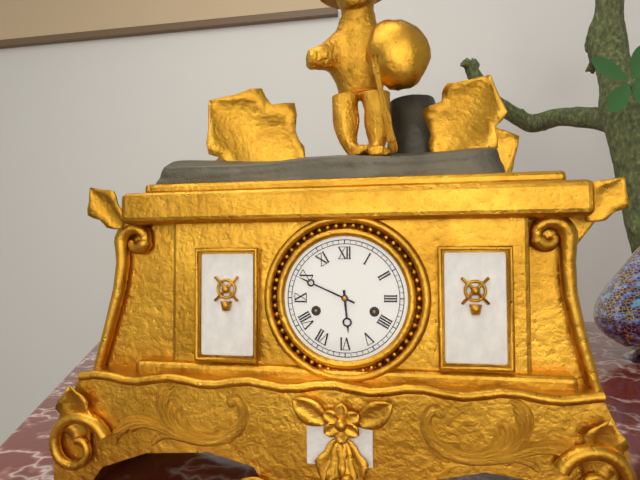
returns 5,49
